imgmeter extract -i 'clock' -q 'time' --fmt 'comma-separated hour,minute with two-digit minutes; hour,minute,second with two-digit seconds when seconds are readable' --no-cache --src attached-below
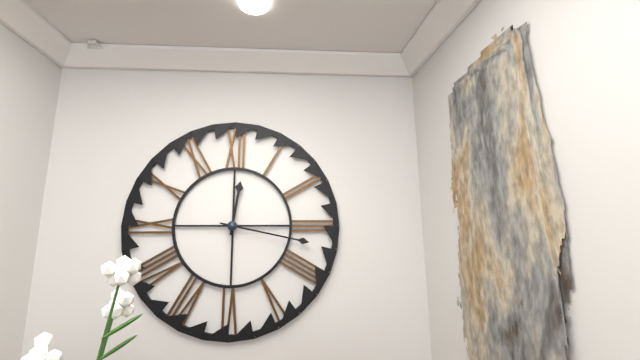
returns 12,17
